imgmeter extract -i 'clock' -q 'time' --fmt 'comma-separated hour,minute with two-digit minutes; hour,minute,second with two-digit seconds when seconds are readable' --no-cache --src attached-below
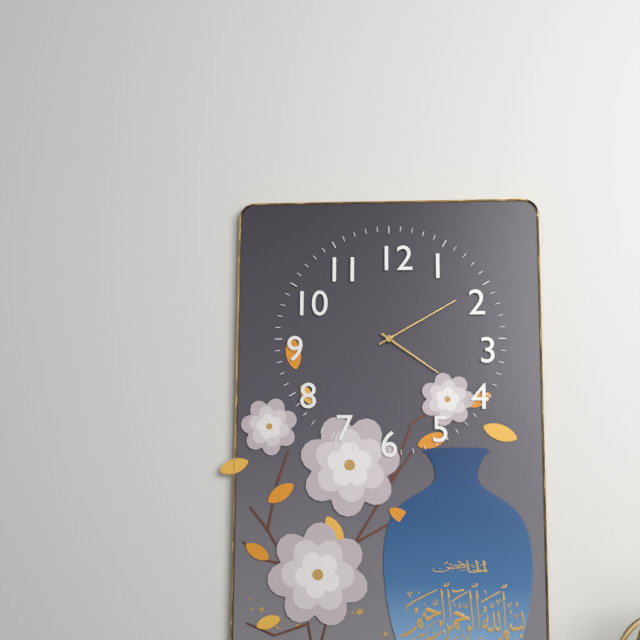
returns 4,10
